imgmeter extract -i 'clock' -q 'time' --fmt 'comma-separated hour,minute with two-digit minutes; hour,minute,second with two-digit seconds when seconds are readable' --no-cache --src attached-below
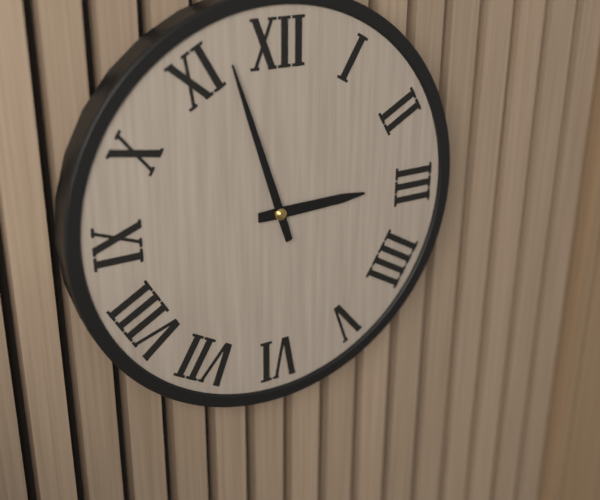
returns 2,57
